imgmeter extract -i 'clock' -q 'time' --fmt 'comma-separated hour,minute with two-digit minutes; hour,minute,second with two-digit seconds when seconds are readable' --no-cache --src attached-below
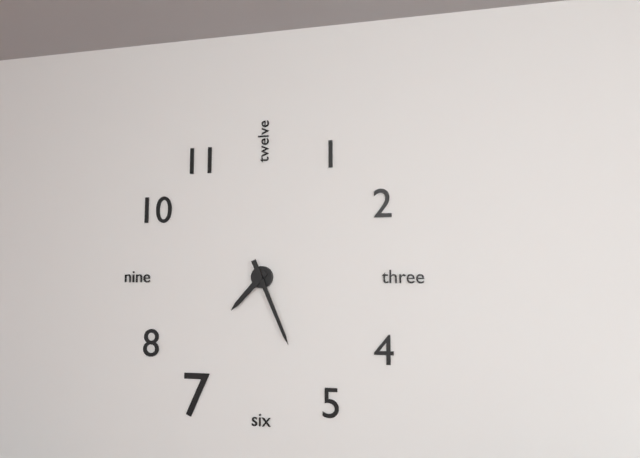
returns 7,26
